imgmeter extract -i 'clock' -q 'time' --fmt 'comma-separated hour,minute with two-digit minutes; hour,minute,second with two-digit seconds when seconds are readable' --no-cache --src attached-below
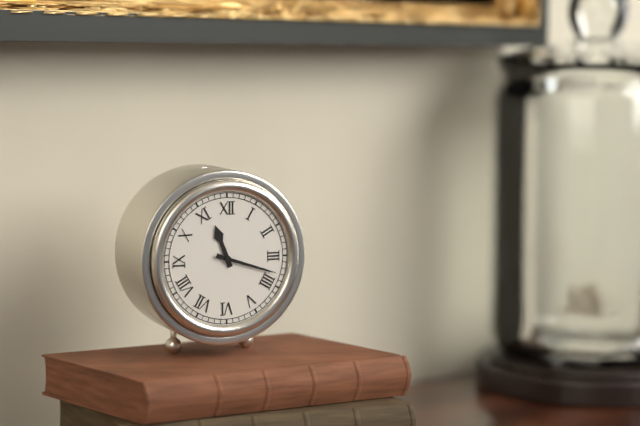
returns 11,18
